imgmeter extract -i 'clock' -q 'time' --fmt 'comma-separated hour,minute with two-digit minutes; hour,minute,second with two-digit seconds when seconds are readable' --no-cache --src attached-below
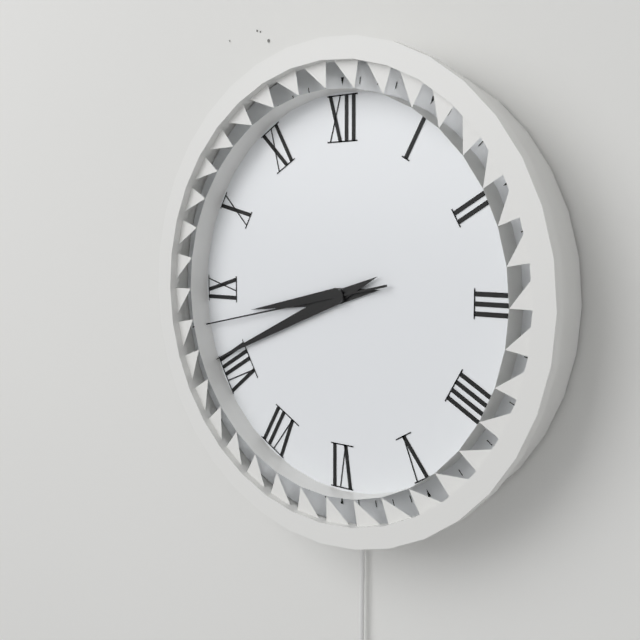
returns 8,41,43
